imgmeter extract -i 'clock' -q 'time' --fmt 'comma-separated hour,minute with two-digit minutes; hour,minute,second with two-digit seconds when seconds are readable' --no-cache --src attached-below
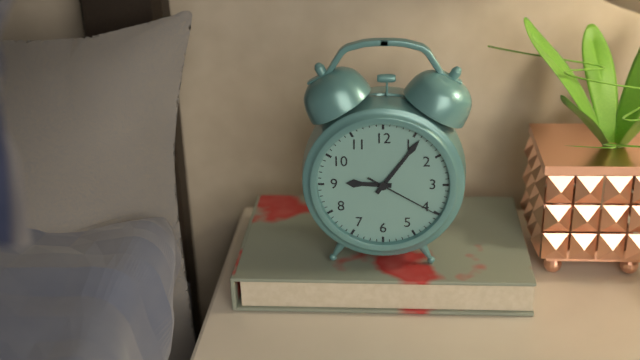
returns 9,06,20
